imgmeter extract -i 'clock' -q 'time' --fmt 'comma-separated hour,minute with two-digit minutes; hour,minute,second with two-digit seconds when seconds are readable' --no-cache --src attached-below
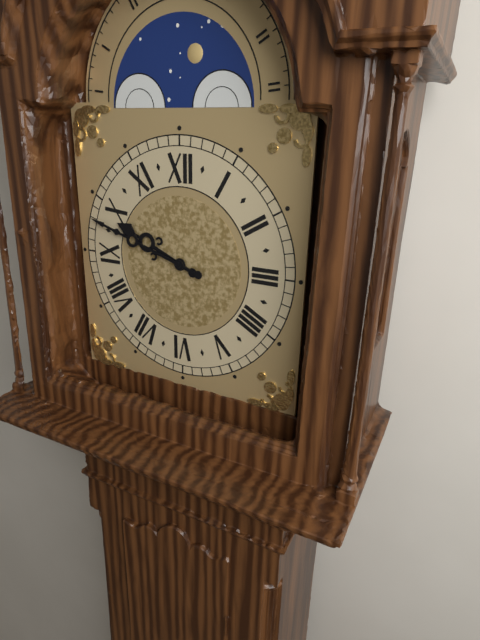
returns 9,48
